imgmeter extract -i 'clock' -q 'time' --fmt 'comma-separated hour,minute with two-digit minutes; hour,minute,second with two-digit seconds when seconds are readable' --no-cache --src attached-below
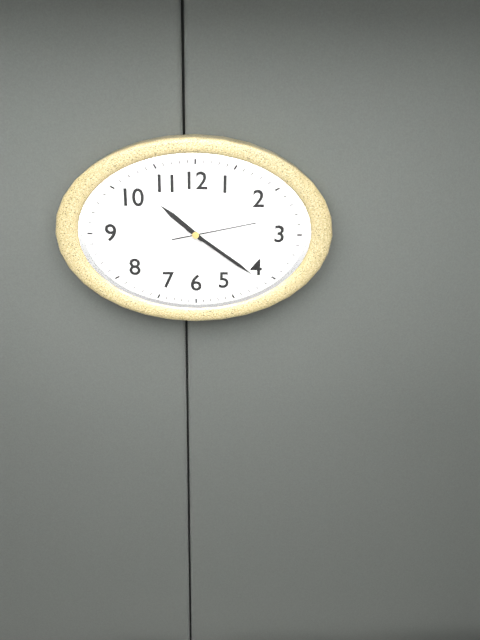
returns 10,21,13
